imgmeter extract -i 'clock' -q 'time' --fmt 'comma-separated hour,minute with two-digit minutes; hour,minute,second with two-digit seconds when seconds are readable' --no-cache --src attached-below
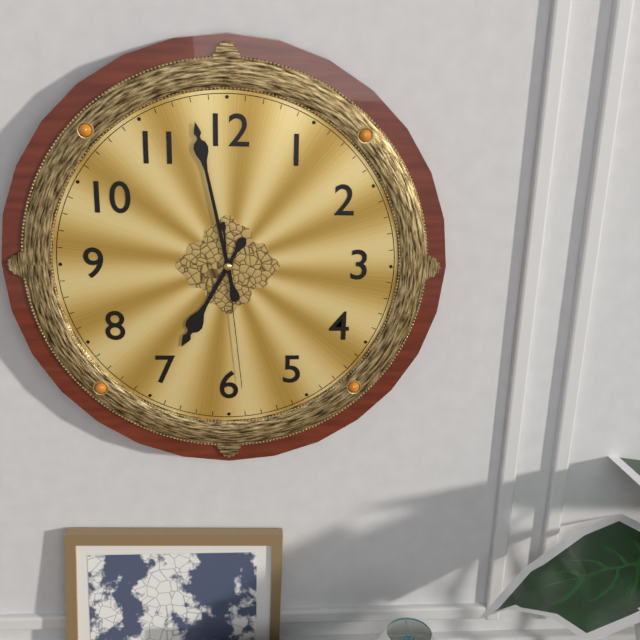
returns 6,58,29
